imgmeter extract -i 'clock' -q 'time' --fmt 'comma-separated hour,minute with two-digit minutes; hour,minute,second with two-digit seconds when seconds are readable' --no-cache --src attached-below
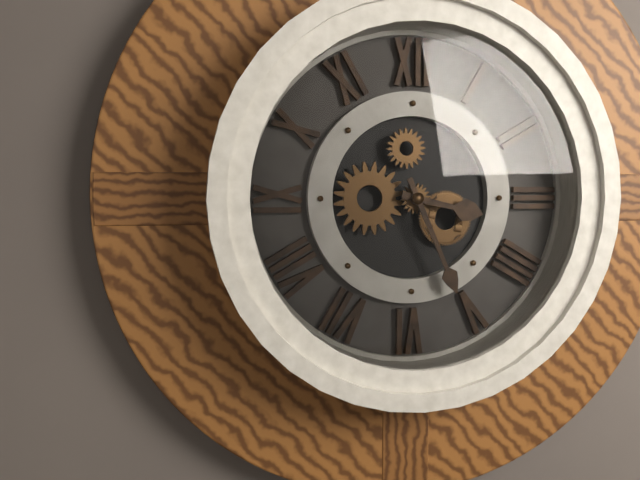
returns 3,26
